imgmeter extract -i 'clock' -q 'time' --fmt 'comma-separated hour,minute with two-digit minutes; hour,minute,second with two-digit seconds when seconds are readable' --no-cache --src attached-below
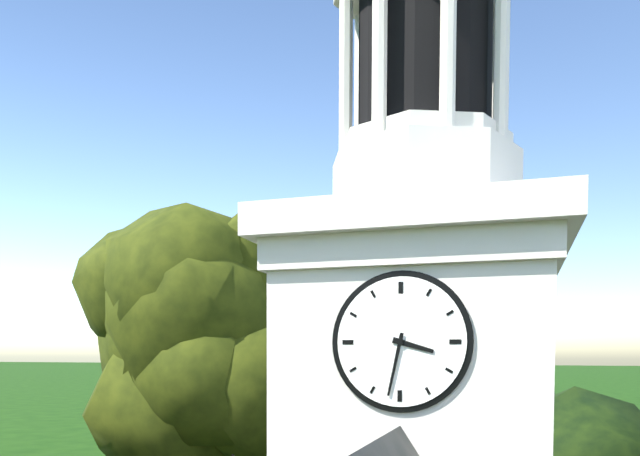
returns 3,32
